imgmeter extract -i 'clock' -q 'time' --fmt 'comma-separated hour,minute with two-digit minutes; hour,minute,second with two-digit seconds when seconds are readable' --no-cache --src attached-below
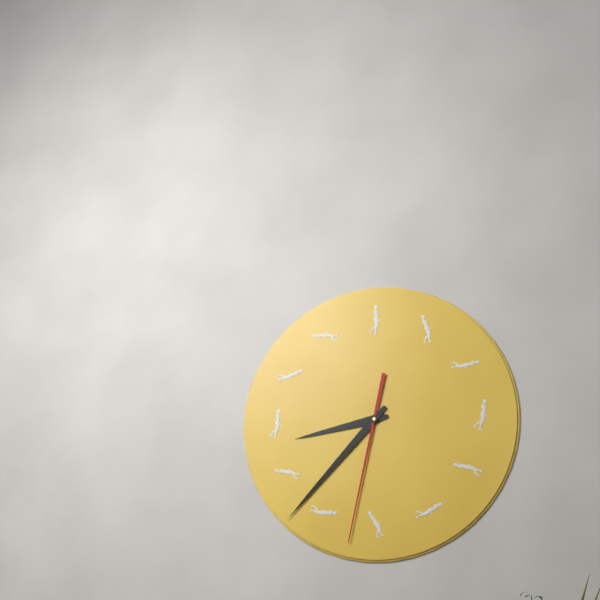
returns 8,37,32
